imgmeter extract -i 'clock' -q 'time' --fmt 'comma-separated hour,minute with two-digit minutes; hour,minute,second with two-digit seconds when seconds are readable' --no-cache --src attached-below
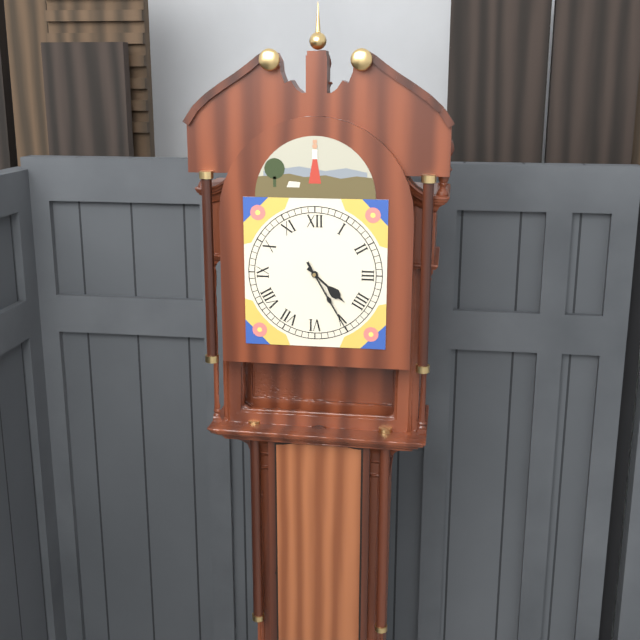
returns 4,25
